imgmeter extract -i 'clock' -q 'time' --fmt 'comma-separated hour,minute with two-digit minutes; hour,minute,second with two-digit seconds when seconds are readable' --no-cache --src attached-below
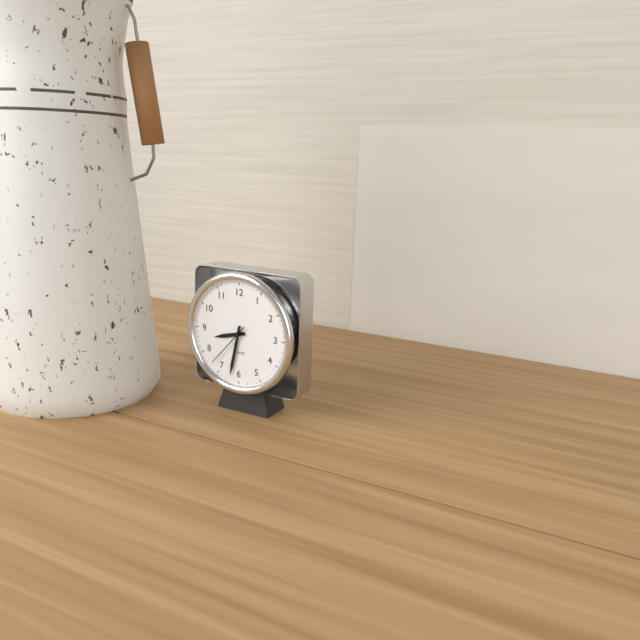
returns 8,32
